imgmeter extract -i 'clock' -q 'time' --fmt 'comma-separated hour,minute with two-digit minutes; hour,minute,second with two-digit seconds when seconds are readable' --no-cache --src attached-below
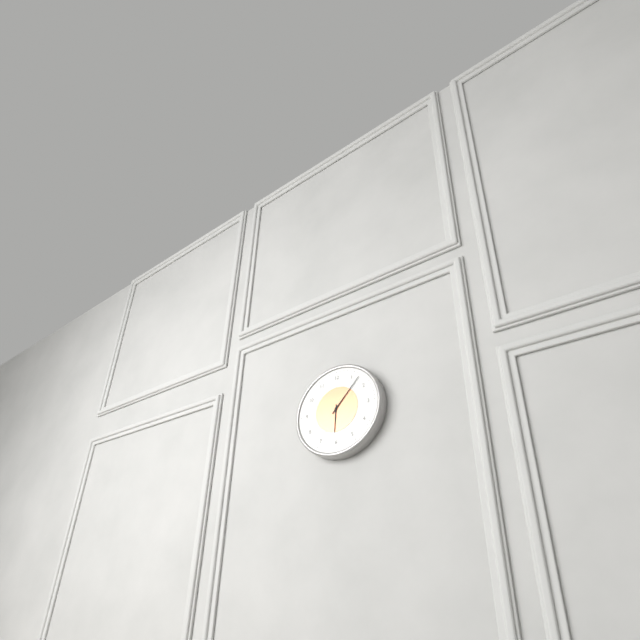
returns 6,07
